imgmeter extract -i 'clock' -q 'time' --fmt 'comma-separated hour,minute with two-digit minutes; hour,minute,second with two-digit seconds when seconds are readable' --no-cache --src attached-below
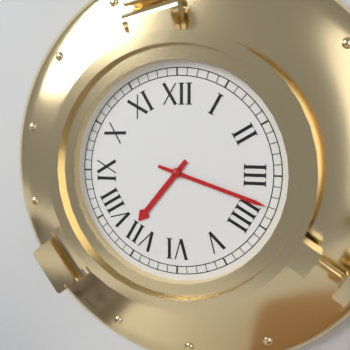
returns 7,18
